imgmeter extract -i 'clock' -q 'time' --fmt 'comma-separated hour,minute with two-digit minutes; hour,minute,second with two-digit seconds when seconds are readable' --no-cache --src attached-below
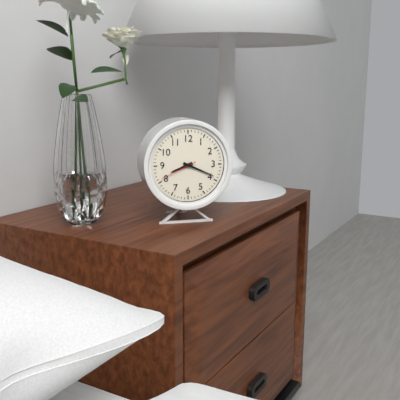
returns 8,19
